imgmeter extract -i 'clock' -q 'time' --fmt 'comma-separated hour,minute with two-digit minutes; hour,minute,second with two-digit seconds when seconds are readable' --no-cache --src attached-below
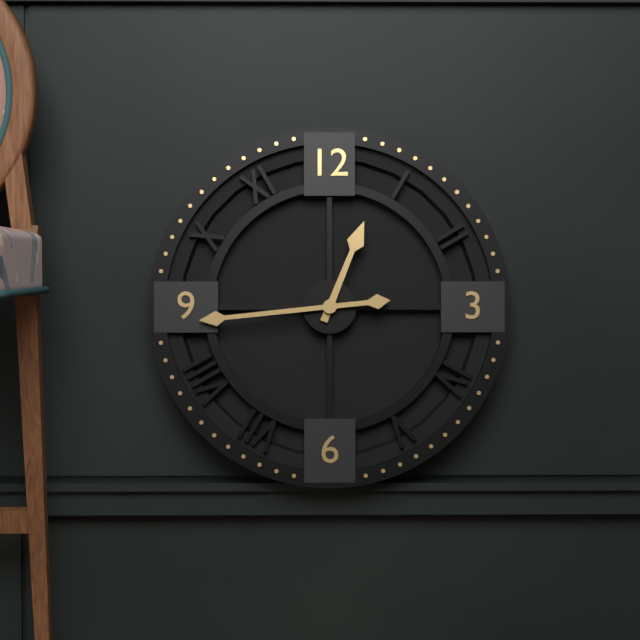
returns 12,44
